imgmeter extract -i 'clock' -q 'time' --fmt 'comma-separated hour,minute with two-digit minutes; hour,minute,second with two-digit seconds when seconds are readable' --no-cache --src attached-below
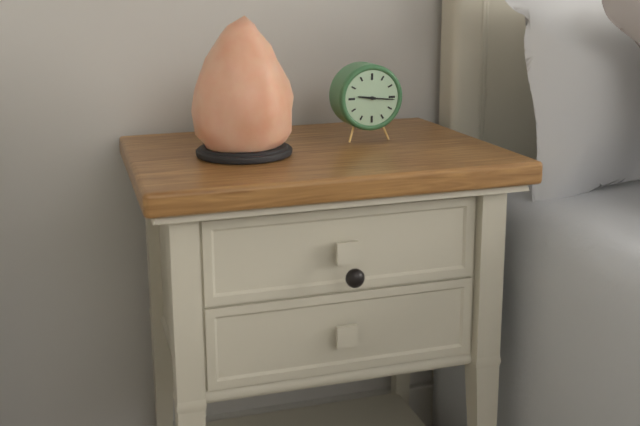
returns 9,16
